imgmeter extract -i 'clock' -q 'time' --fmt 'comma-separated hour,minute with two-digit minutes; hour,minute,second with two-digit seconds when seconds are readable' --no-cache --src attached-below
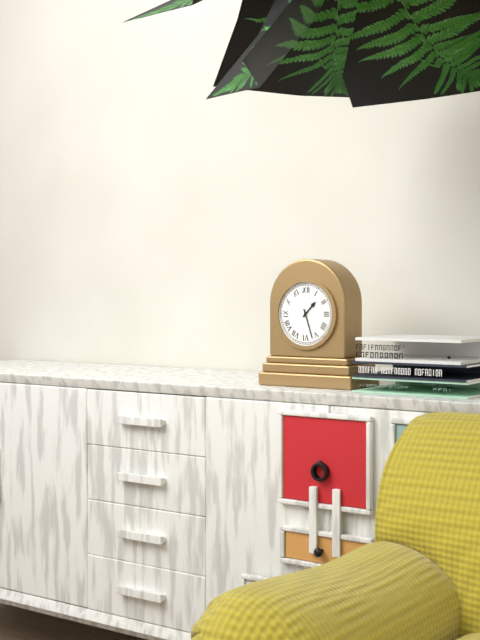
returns 1,27
